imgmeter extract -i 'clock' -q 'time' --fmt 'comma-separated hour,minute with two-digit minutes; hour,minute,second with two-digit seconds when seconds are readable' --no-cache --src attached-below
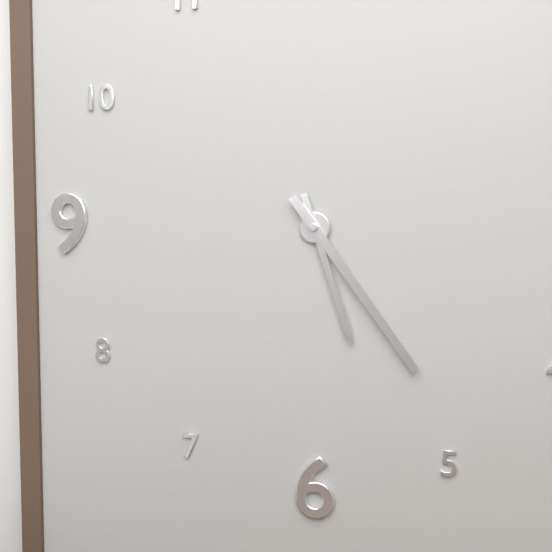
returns 5,24
